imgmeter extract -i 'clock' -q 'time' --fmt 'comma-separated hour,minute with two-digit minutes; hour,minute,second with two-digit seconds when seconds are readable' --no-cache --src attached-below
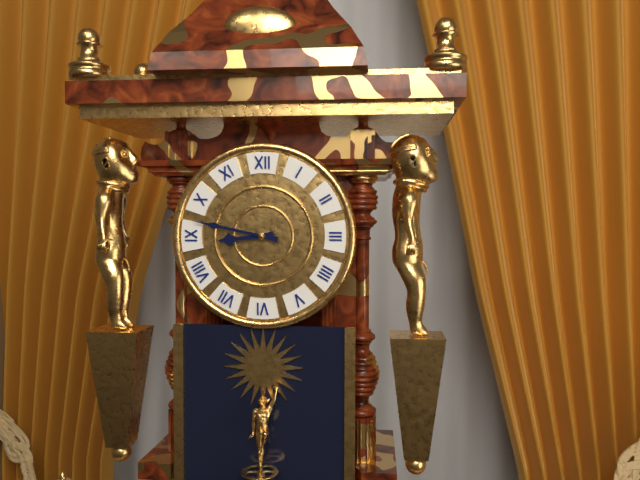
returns 8,47
